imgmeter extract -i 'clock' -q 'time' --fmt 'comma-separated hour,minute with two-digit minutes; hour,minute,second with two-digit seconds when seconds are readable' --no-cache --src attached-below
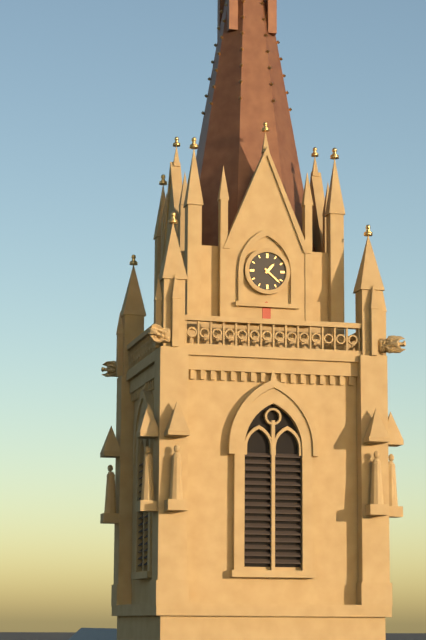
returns 1,22
